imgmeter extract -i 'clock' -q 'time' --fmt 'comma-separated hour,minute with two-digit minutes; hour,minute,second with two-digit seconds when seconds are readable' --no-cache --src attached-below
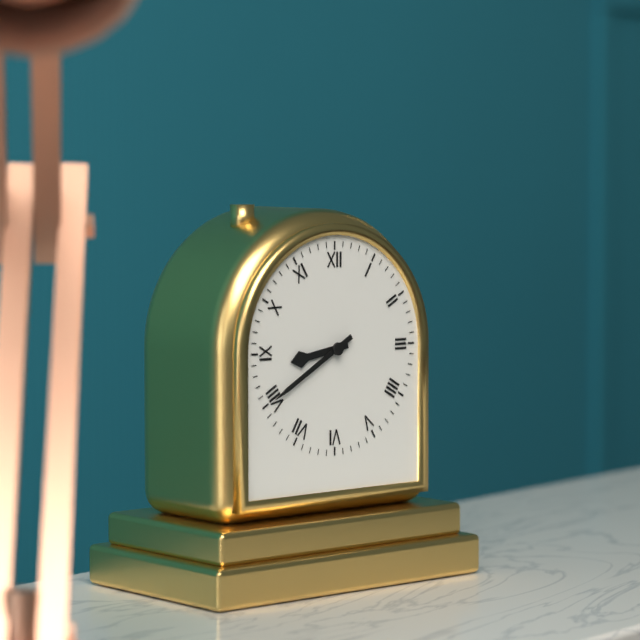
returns 8,40
